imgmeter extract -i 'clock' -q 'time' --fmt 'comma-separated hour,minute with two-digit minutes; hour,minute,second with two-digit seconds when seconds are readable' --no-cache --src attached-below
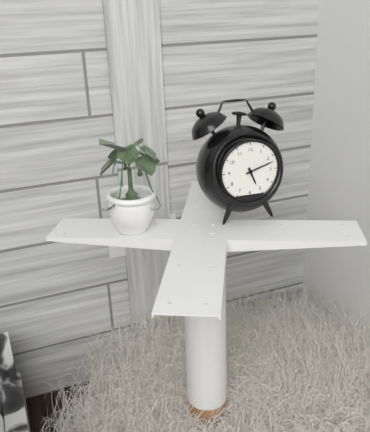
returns 5,12
